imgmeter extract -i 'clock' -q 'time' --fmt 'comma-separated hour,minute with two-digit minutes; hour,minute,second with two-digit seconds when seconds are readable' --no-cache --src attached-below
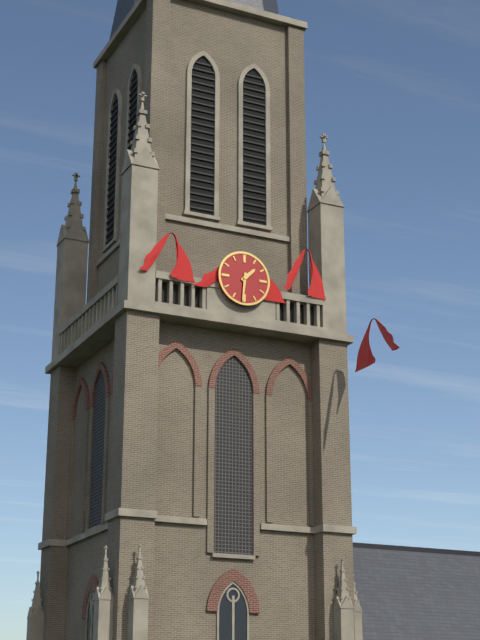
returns 1,31
